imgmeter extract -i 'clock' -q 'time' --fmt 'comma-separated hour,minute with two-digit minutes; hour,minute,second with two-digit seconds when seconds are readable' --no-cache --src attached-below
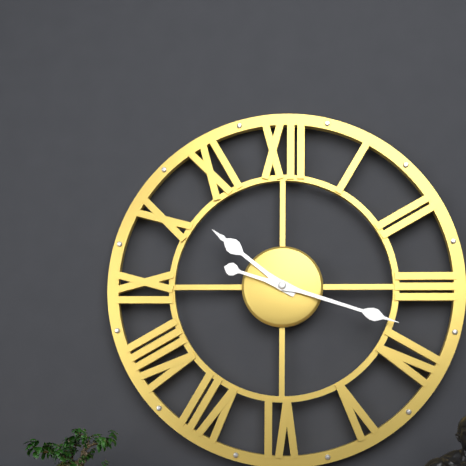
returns 10,18
